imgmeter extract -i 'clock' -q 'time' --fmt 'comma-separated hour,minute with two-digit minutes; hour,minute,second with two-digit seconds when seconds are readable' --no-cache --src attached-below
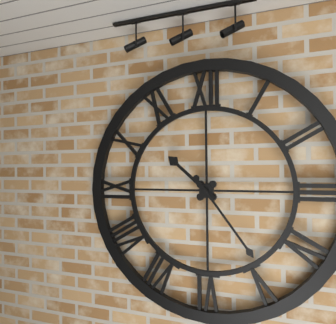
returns 10,24
